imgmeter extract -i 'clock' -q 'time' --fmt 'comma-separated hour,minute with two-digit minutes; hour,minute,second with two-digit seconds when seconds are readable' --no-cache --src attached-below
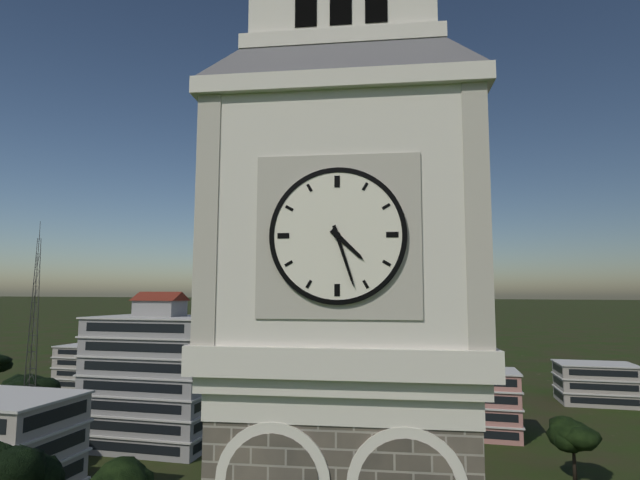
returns 4,27
